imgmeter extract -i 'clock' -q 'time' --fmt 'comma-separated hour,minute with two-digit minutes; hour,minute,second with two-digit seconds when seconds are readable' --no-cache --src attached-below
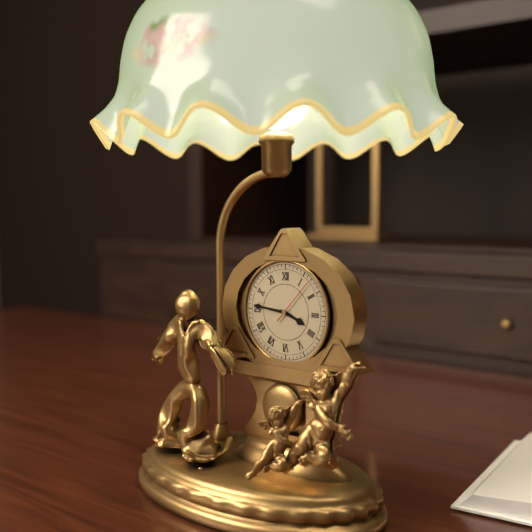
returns 3,46
